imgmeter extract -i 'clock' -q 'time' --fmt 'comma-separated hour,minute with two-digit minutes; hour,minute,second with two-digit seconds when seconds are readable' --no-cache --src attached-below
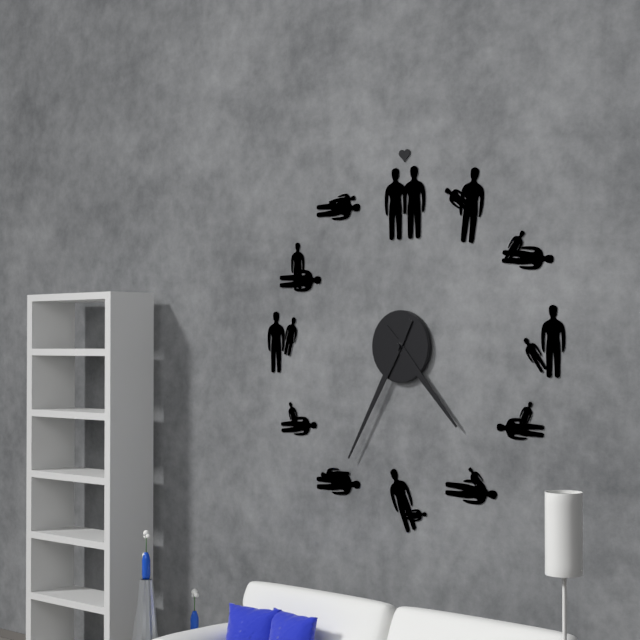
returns 4,35
